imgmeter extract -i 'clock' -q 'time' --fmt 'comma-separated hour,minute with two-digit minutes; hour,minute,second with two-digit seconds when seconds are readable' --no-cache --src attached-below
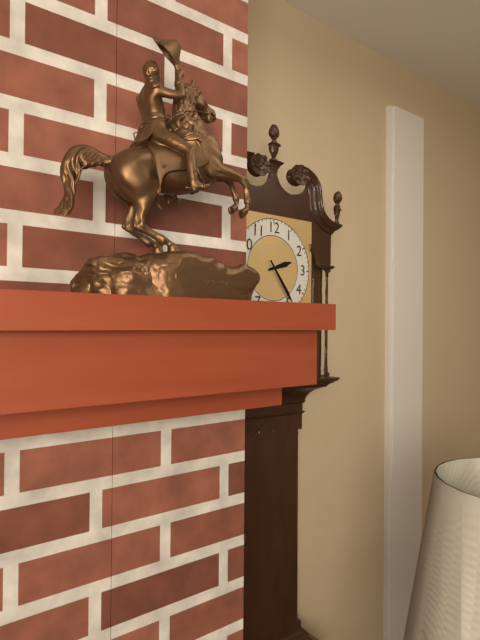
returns 2,24
